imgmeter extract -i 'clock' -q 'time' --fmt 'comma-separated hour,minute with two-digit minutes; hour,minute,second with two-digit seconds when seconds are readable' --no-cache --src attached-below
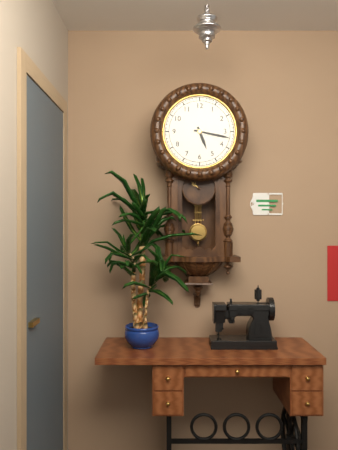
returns 5,17
